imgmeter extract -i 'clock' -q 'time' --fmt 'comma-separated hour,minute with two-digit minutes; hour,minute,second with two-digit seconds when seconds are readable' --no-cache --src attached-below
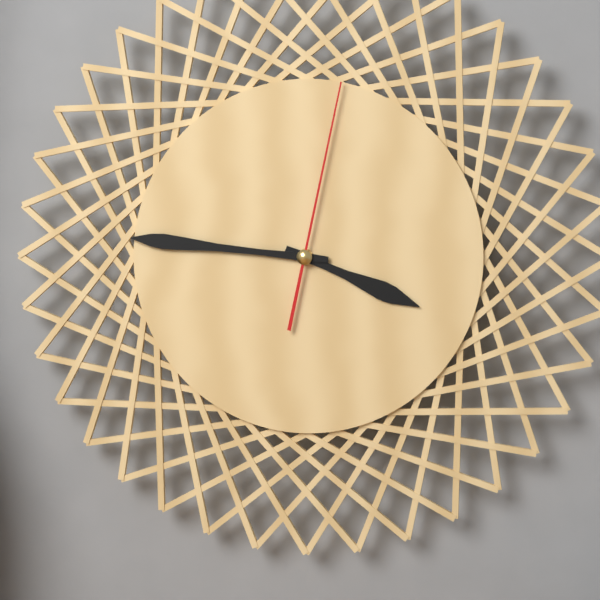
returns 3,46,02
